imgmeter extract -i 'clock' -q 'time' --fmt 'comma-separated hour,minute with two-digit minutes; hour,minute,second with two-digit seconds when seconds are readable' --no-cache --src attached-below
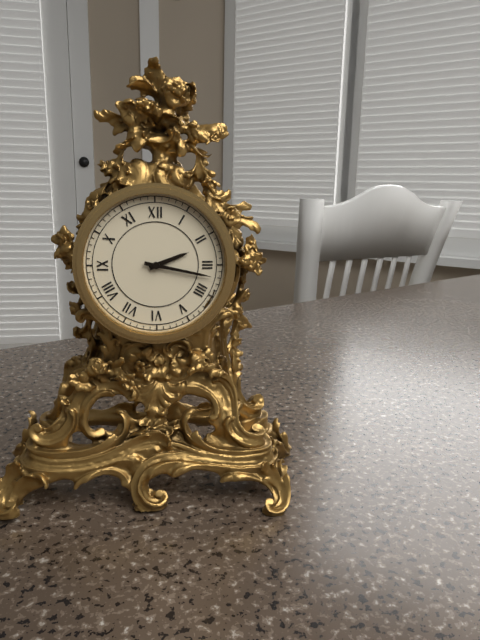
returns 2,17
